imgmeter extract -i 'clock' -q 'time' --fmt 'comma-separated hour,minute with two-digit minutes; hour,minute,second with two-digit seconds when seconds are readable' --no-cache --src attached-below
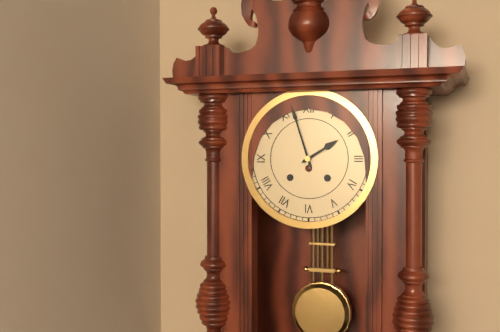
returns 1,57
